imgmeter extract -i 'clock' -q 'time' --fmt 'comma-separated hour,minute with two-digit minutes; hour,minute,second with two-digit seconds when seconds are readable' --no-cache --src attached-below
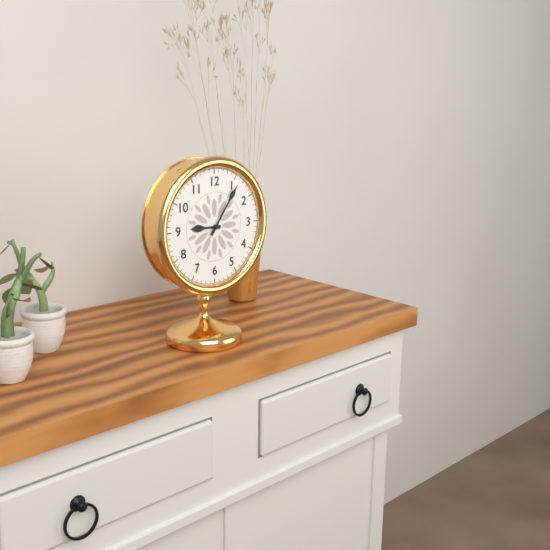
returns 9,06
